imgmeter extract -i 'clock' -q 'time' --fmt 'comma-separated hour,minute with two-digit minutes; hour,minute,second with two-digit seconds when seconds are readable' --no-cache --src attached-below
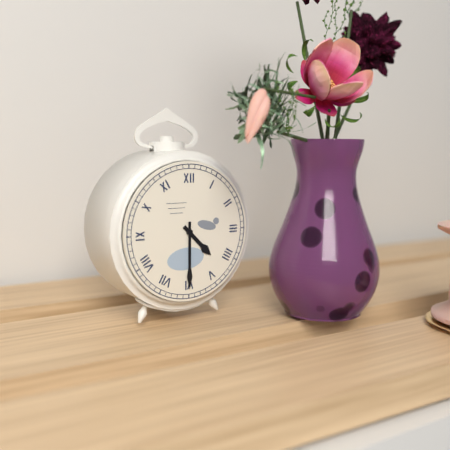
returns 4,30
